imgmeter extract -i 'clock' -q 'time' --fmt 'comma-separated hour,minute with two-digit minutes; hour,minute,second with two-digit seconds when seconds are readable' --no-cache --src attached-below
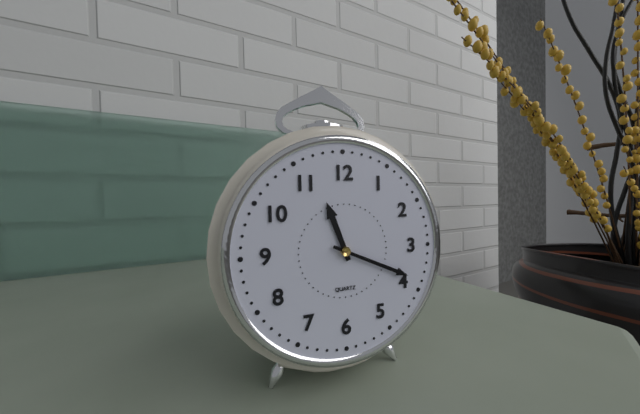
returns 11,19
